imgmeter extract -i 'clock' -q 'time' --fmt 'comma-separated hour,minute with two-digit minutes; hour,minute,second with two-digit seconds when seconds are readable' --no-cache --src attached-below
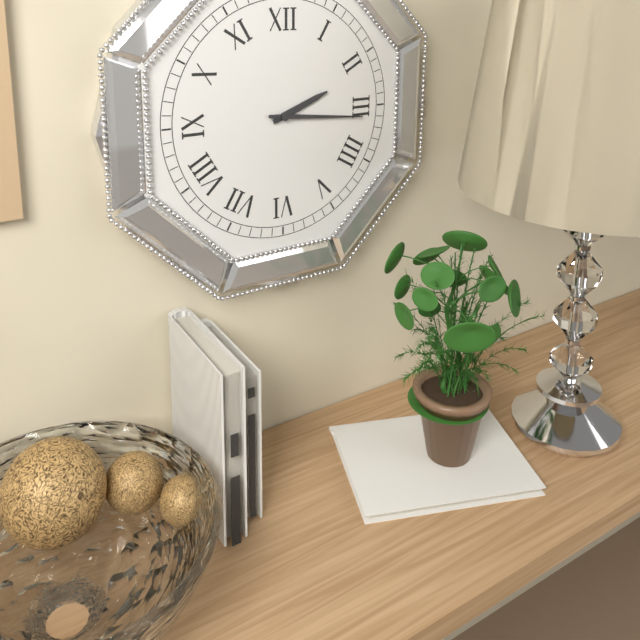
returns 2,16
